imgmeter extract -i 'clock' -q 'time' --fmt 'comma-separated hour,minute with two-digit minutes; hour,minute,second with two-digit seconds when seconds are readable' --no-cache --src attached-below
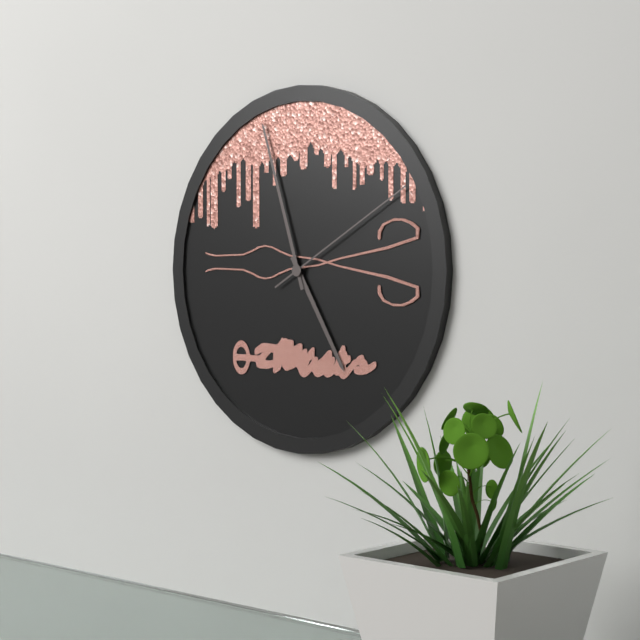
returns 4,57,10
